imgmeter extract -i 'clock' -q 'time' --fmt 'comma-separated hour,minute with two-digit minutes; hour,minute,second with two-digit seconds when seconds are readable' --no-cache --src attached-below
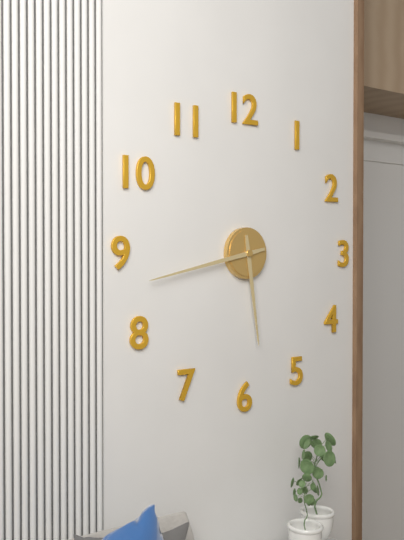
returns 5,43
